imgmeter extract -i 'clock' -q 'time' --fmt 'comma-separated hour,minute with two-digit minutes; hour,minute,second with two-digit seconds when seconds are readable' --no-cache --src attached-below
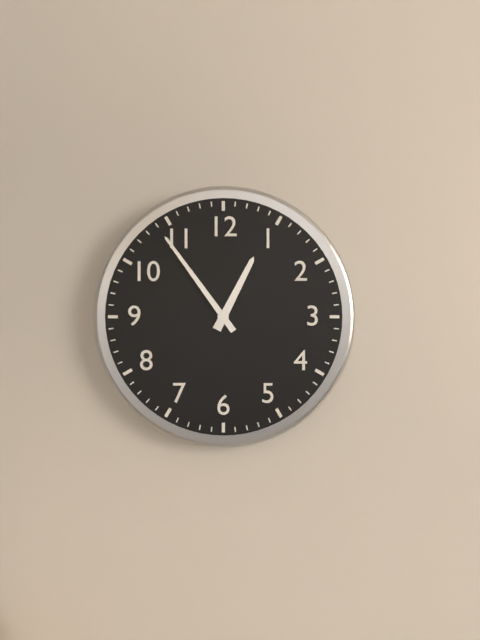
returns 12,54
